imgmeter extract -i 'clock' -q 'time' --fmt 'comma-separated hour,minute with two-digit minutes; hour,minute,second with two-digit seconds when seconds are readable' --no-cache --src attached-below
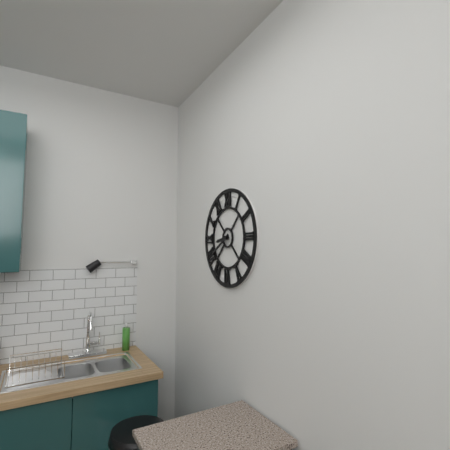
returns 8,40
